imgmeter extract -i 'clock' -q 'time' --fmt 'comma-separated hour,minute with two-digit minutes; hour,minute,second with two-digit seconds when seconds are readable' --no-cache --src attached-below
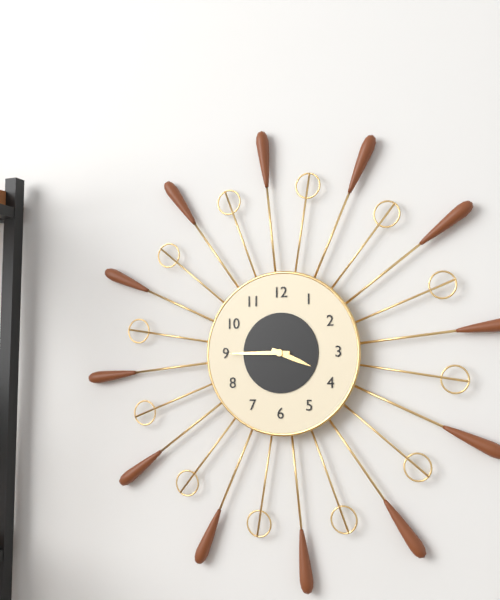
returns 3,45
